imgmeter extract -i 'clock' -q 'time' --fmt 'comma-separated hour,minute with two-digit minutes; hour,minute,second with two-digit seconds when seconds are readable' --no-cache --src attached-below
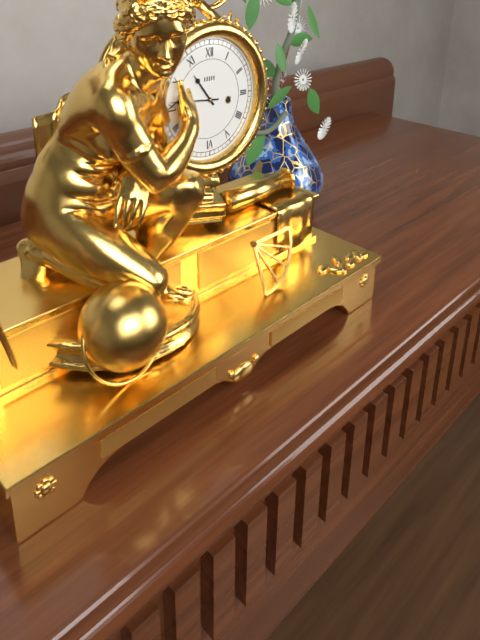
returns 10,46
